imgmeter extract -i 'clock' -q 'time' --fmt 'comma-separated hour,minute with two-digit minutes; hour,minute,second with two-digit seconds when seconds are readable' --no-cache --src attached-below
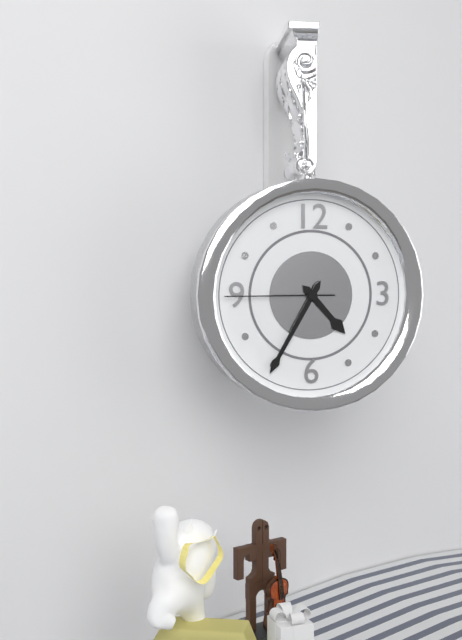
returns 4,35,45
